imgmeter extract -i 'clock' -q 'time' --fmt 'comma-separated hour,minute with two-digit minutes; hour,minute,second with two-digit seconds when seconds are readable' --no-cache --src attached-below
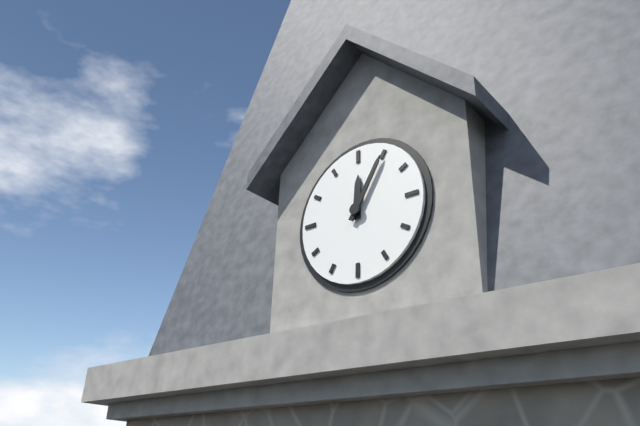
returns 12,05
